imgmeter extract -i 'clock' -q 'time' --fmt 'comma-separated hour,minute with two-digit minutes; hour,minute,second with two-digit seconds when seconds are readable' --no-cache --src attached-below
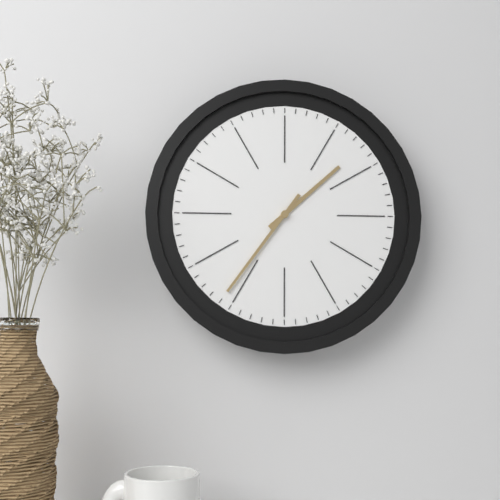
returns 1,36
